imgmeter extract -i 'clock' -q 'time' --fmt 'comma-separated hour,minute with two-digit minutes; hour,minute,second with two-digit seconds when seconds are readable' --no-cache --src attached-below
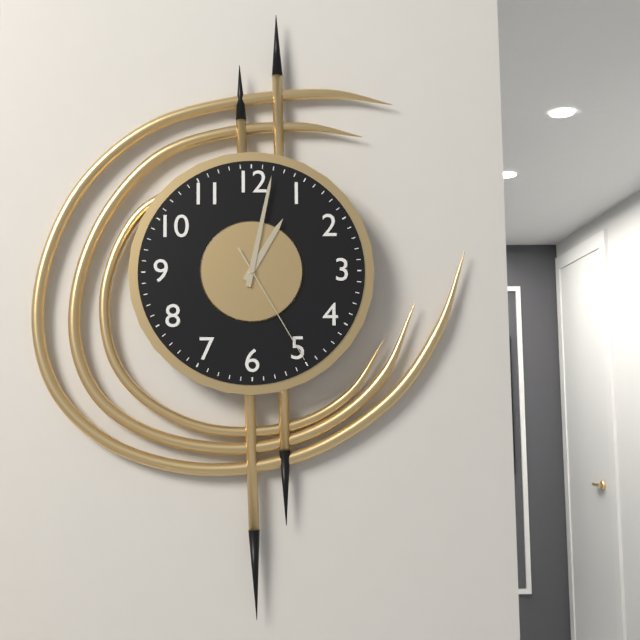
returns 1,02,25
